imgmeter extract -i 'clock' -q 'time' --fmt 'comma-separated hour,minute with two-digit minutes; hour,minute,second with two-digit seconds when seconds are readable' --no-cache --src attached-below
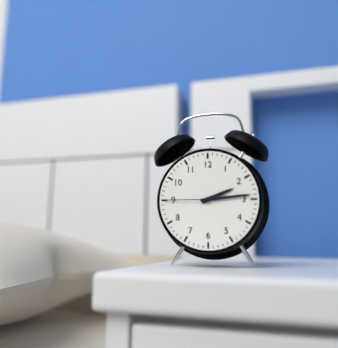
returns 2,14,45
